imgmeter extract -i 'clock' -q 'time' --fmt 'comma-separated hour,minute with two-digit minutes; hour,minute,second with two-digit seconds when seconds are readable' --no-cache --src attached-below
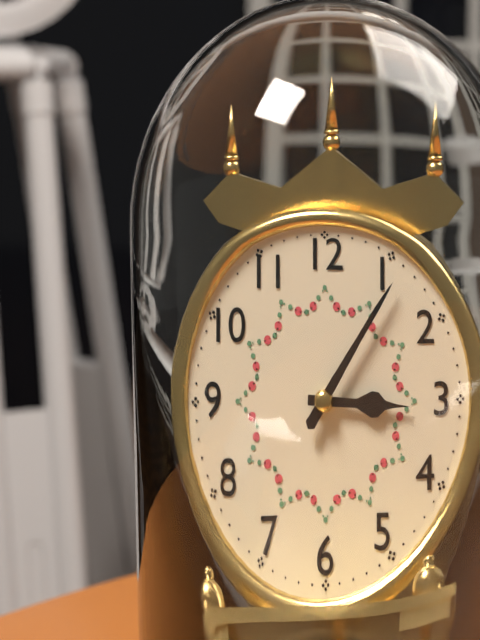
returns 3,06
